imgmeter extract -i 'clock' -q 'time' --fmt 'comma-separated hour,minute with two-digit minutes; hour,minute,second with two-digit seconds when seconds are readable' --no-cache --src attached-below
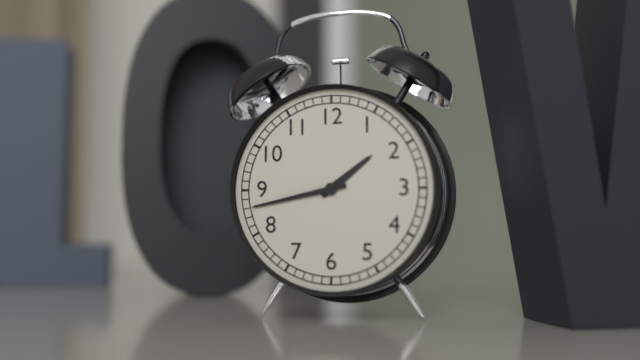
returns 1,43
